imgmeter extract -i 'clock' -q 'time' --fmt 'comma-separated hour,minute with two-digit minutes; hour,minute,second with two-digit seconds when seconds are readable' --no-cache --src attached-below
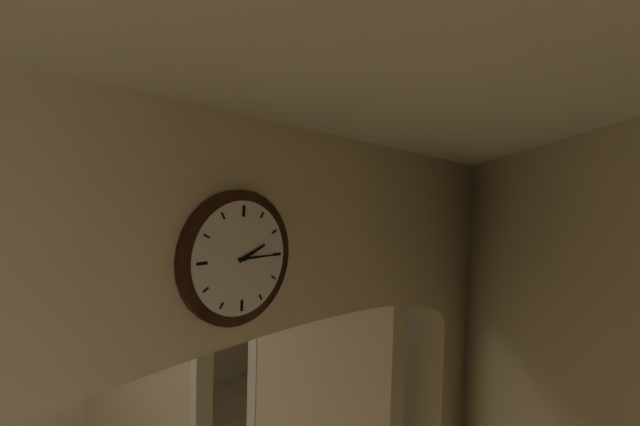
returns 2,15
